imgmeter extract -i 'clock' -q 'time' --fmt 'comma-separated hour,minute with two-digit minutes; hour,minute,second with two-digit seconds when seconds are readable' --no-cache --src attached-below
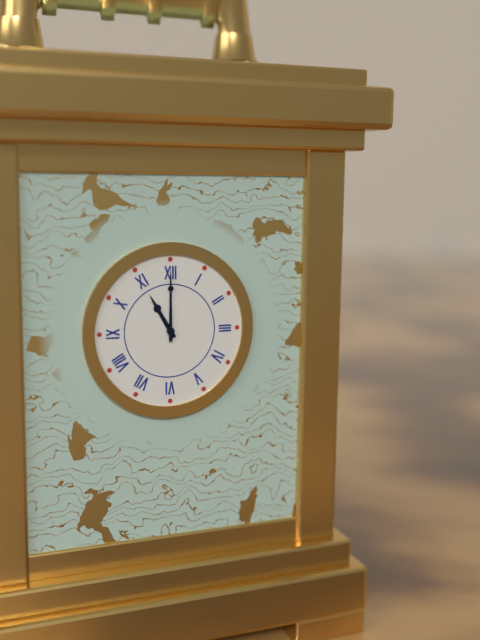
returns 11,00
